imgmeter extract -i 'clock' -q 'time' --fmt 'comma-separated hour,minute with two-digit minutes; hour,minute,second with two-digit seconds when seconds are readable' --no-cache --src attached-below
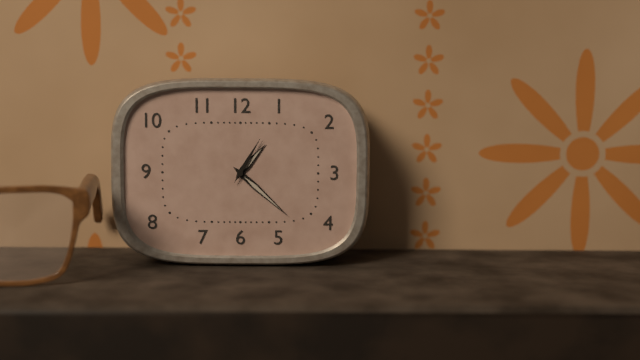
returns 1,22,05
